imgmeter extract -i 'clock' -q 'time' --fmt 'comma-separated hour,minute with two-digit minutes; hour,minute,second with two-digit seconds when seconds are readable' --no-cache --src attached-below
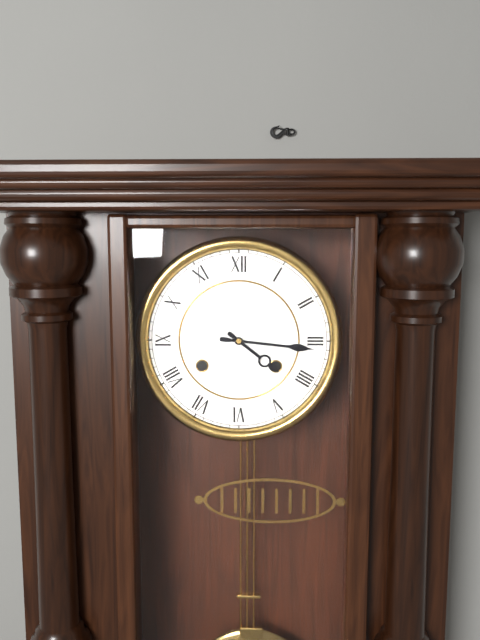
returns 4,16
